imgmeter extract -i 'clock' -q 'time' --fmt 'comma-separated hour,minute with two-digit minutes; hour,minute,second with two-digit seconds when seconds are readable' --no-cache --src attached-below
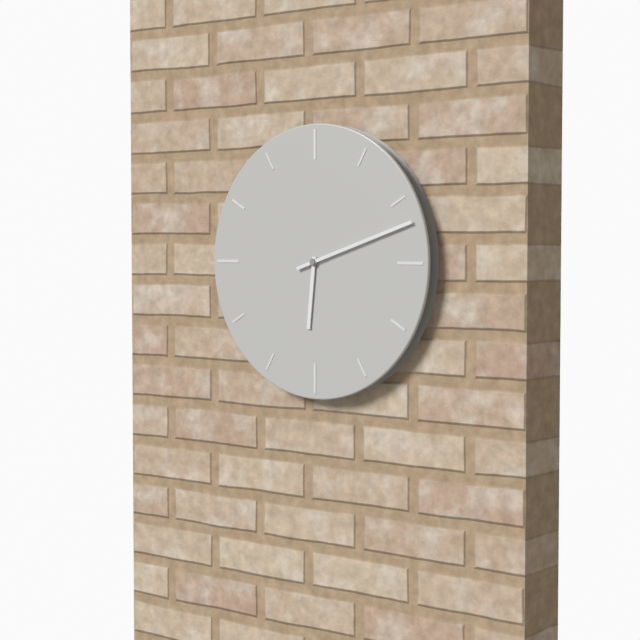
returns 6,12
